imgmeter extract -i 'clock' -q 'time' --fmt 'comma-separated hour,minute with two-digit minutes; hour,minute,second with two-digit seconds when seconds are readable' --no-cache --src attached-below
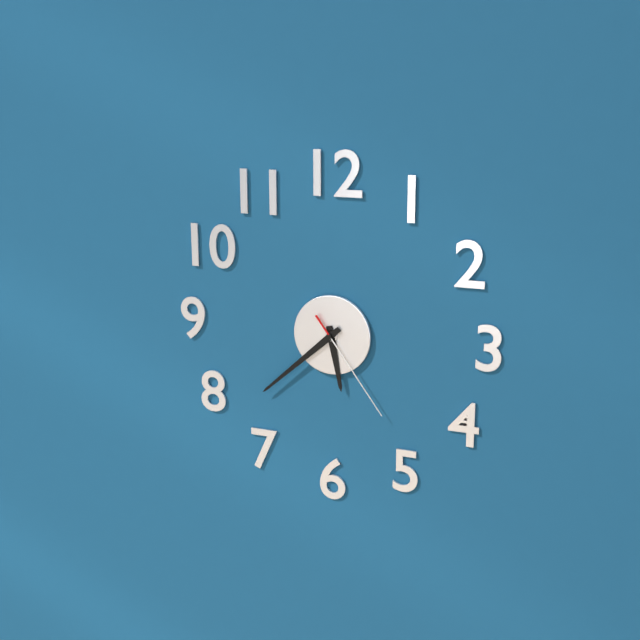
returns 5,38,24
